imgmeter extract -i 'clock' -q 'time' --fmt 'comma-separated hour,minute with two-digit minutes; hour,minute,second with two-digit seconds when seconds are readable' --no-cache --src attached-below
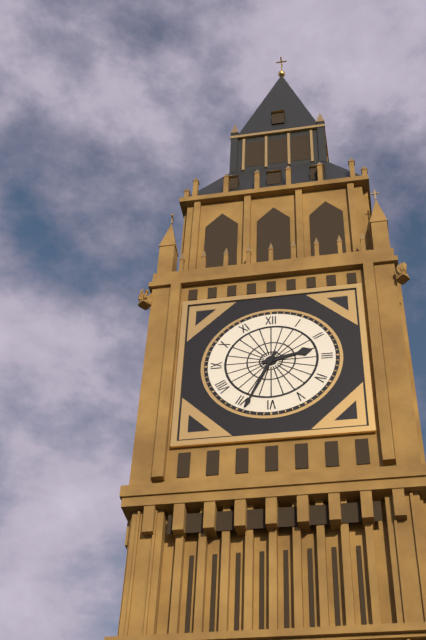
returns 2,34
